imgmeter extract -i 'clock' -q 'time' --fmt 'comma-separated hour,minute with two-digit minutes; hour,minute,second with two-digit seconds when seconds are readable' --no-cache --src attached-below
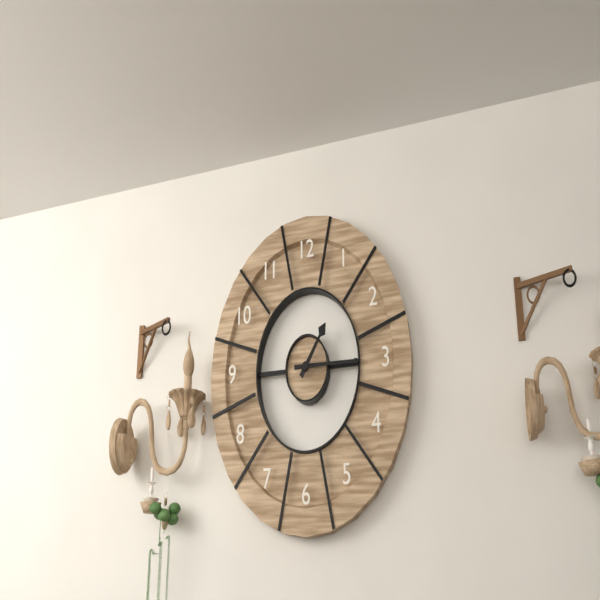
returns 1,15
